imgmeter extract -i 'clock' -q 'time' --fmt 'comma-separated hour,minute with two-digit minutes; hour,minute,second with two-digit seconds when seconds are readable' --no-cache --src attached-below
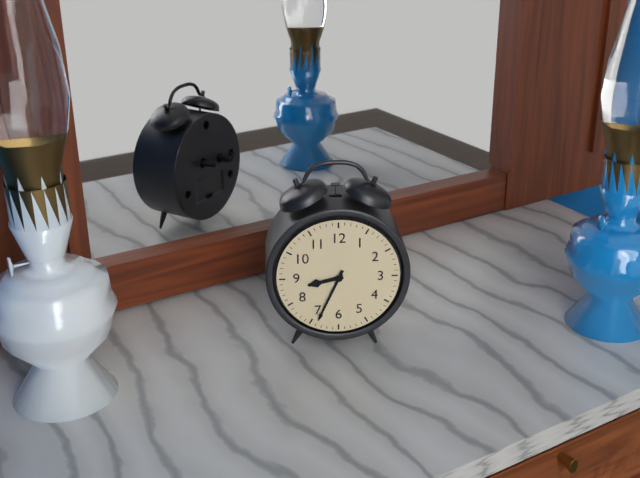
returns 8,34
